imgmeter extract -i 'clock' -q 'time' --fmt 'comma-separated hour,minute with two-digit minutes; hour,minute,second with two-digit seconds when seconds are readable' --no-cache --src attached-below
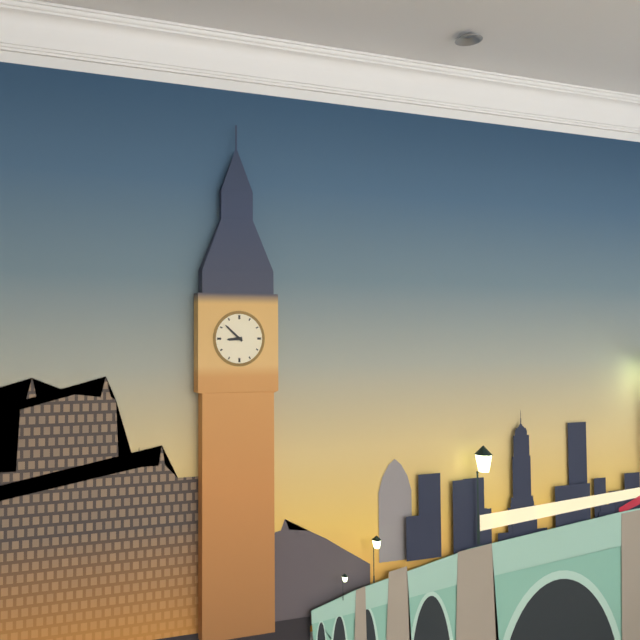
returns 8,52
